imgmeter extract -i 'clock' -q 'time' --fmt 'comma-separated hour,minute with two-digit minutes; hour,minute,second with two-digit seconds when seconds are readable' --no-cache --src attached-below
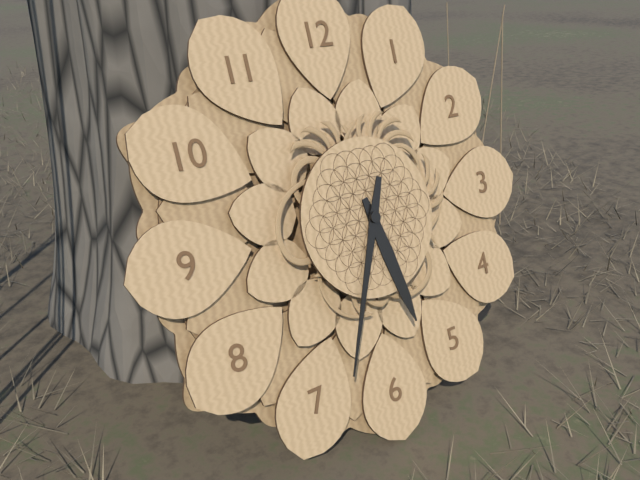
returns 5,34
